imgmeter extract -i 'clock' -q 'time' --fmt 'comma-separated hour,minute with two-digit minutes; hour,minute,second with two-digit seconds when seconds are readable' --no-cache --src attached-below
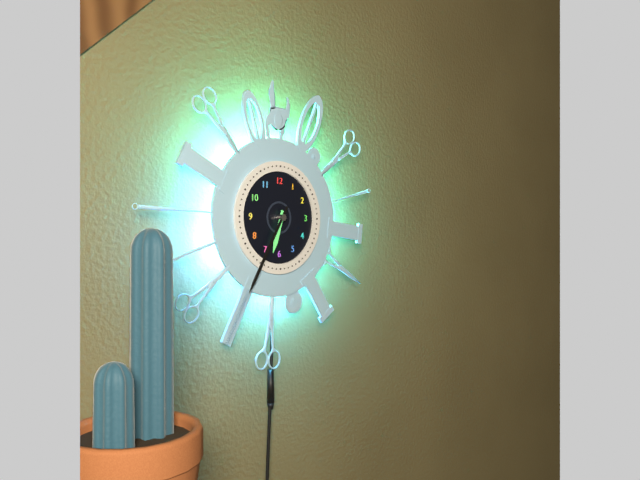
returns 6,35
